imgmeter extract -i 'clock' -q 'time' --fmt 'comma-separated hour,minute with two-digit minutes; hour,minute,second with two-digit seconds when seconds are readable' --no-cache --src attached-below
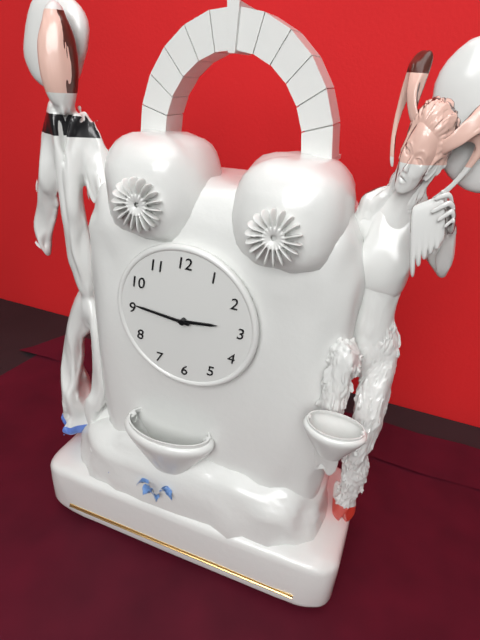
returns 2,46
